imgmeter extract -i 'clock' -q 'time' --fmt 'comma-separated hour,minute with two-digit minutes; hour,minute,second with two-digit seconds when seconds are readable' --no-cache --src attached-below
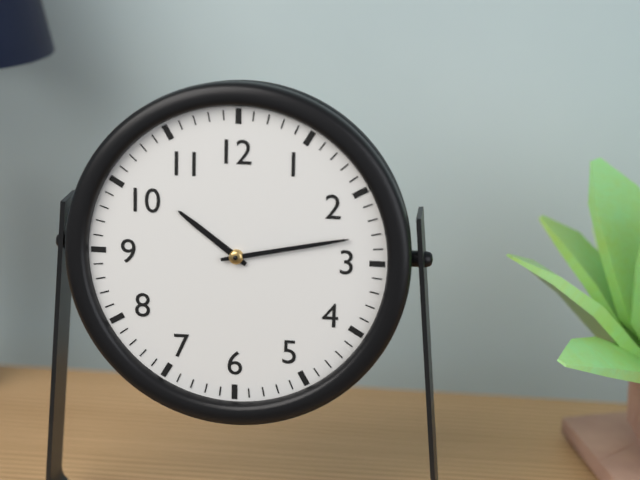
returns 10,13
